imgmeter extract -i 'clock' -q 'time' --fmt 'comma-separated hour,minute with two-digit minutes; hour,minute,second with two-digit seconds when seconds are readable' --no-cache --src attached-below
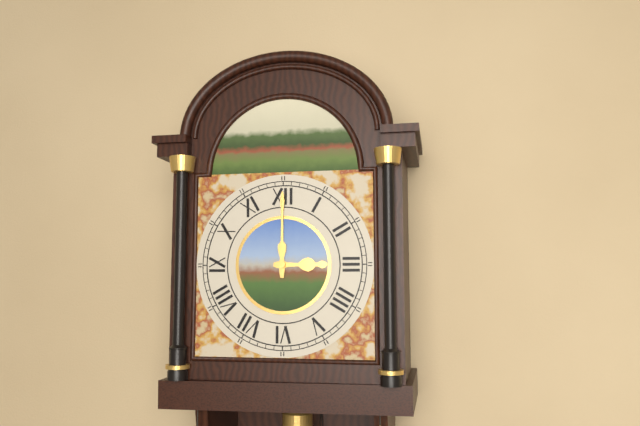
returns 3,00
